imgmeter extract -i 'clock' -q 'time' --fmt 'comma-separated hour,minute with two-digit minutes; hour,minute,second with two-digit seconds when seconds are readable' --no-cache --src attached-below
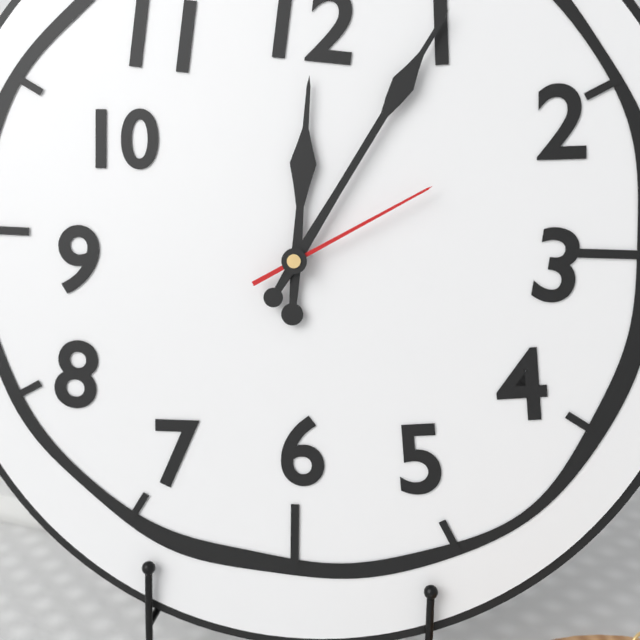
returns 12,05,10
